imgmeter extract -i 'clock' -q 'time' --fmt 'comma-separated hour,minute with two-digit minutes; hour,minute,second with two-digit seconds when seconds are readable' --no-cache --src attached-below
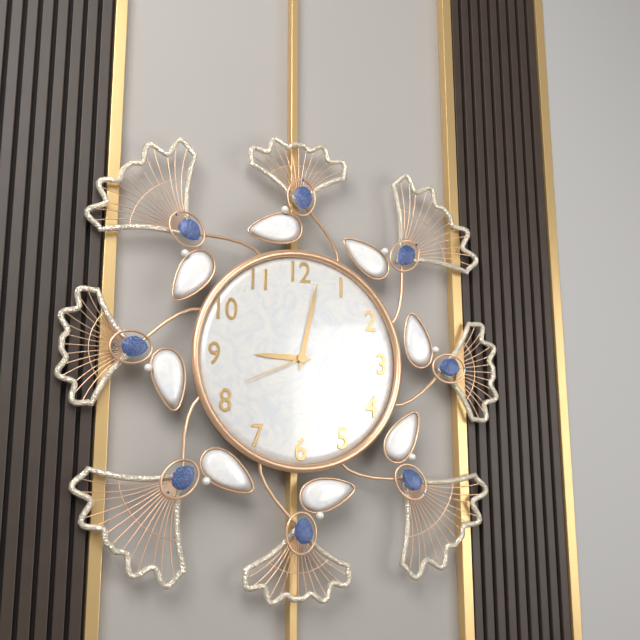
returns 9,02,41
